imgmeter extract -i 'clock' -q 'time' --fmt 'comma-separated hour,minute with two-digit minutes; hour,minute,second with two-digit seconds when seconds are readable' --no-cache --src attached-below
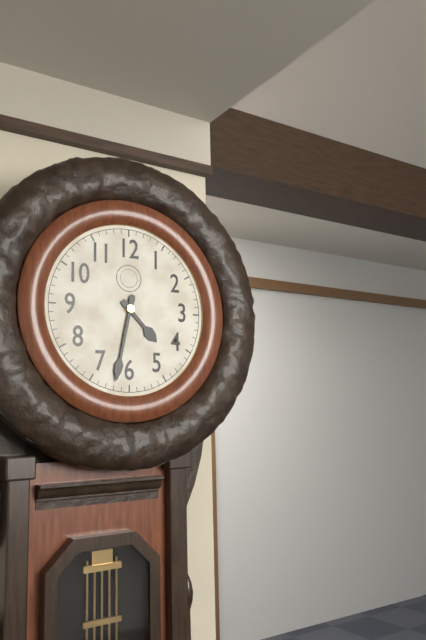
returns 4,32
